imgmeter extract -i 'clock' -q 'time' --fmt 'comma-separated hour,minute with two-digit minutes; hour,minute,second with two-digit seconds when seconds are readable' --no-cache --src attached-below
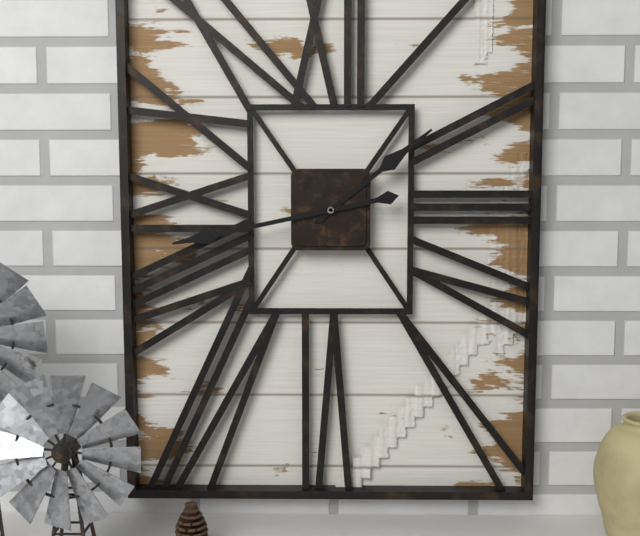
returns 1,43
